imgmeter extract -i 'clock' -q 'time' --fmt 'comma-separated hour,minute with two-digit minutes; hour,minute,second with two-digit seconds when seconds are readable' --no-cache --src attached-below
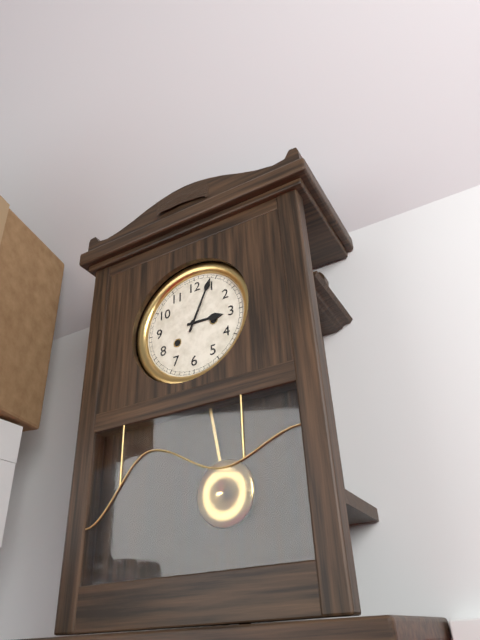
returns 3,04
